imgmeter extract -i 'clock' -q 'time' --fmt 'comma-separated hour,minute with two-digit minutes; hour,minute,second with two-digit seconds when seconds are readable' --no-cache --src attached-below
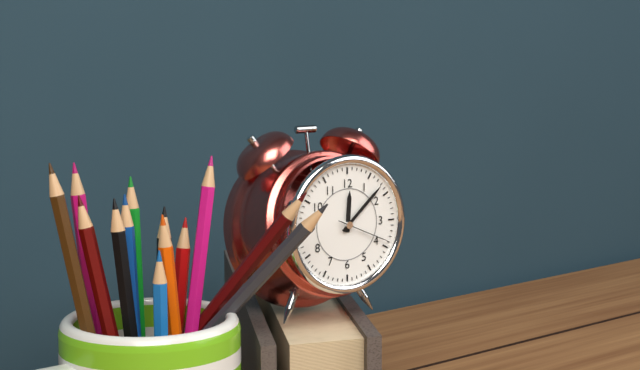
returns 12,08,19
